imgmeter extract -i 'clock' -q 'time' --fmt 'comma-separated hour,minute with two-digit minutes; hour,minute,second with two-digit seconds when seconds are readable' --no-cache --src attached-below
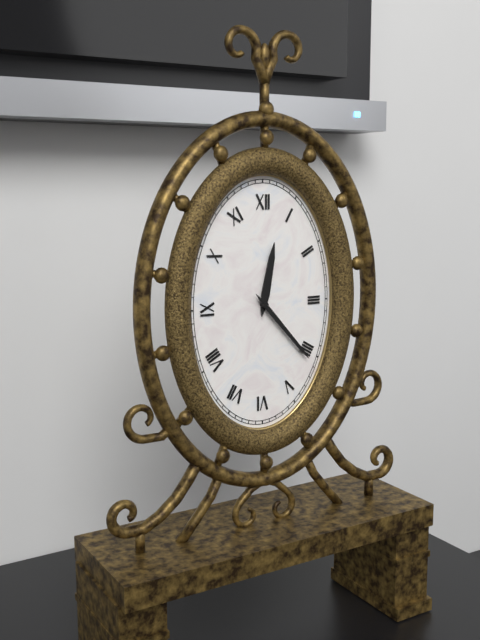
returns 12,23
